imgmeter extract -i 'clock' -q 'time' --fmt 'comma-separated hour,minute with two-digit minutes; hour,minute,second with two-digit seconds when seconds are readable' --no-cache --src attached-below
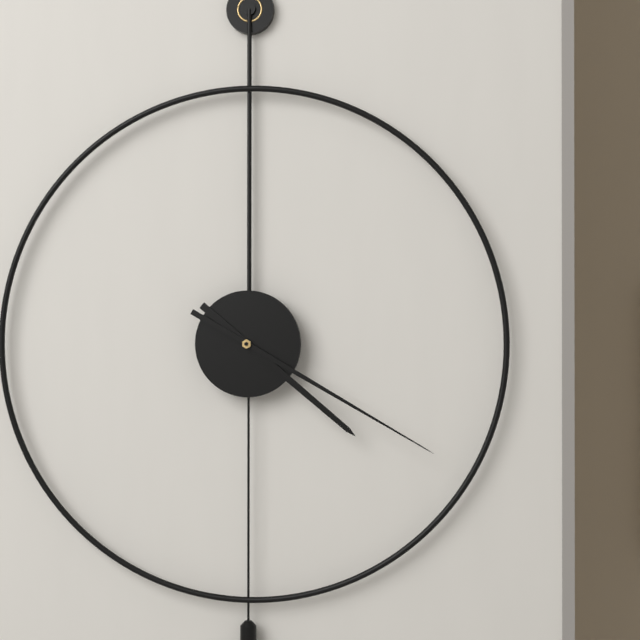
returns 4,20
